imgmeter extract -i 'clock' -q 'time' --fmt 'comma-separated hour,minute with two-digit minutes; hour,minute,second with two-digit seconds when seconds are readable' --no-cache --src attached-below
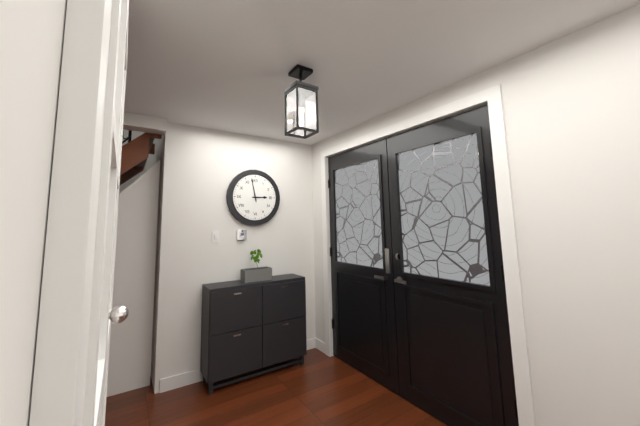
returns 2,58
